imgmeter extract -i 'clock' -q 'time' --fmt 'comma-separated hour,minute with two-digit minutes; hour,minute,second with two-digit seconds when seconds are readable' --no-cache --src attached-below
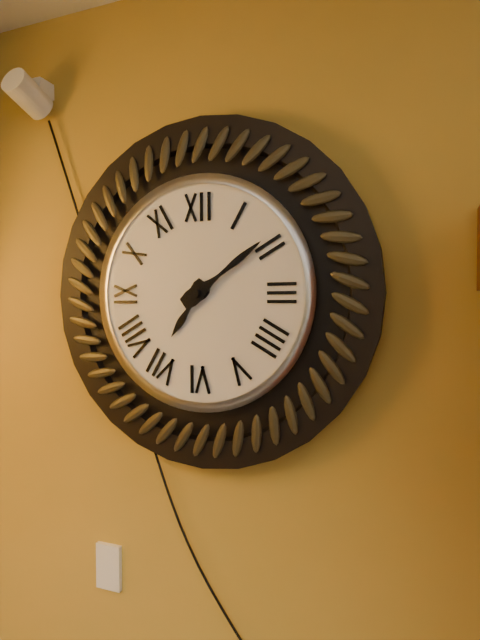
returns 7,09
